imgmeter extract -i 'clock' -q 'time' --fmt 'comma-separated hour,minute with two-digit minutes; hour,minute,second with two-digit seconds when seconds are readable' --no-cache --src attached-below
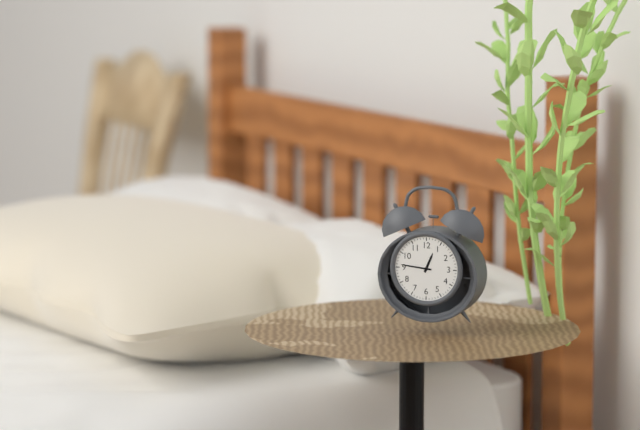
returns 12,46
